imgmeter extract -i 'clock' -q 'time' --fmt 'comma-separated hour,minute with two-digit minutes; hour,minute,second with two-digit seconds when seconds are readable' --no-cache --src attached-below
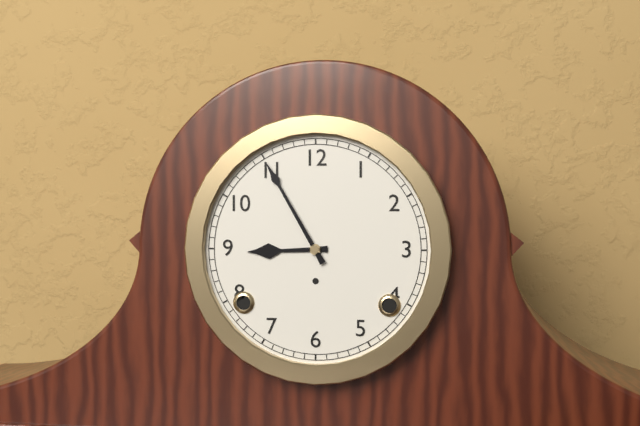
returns 8,55
